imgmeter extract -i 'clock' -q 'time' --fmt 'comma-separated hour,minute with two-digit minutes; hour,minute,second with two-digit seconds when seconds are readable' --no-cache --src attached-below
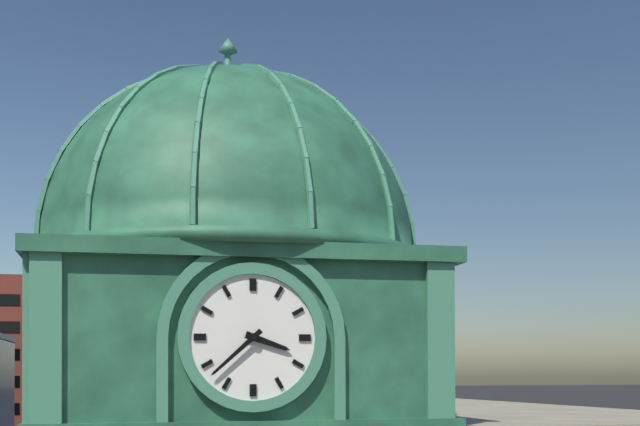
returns 3,38
